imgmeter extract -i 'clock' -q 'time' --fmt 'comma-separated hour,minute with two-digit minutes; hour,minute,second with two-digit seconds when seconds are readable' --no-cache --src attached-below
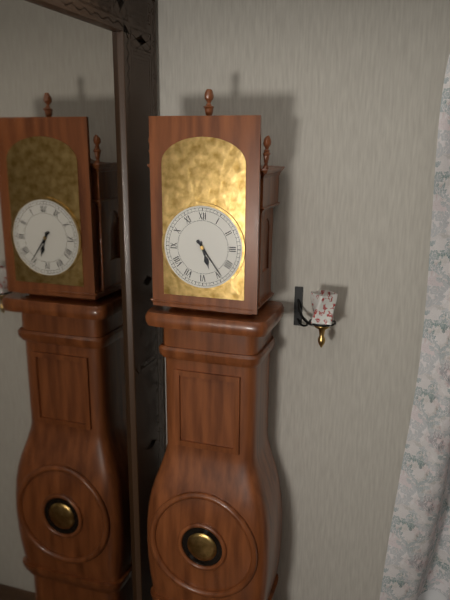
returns 5,24
